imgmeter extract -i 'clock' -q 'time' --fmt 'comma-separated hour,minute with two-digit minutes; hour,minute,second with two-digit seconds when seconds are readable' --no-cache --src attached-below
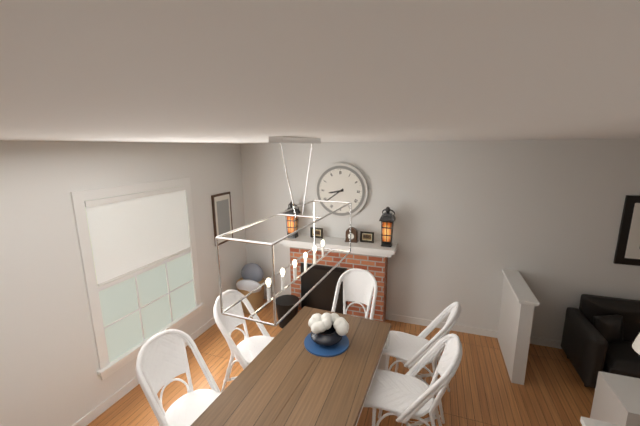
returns 8,39
